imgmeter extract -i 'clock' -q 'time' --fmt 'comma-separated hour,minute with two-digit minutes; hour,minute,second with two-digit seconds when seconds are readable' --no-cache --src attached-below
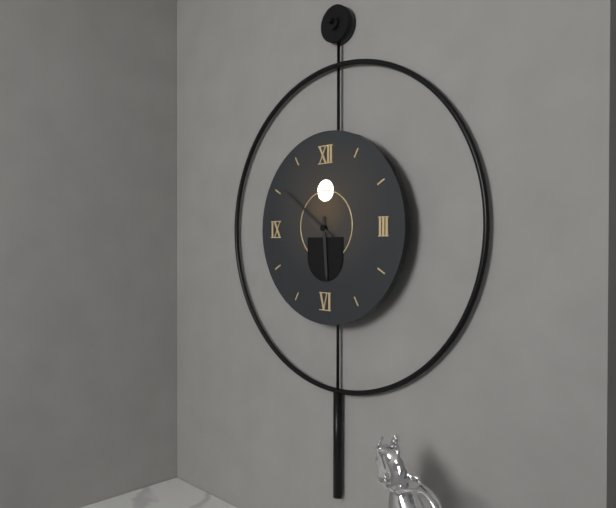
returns 5,51
